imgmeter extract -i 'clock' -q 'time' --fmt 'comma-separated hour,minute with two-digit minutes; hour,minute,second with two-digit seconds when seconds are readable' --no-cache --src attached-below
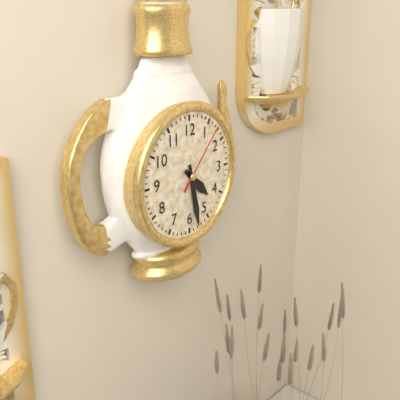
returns 4,28,07
